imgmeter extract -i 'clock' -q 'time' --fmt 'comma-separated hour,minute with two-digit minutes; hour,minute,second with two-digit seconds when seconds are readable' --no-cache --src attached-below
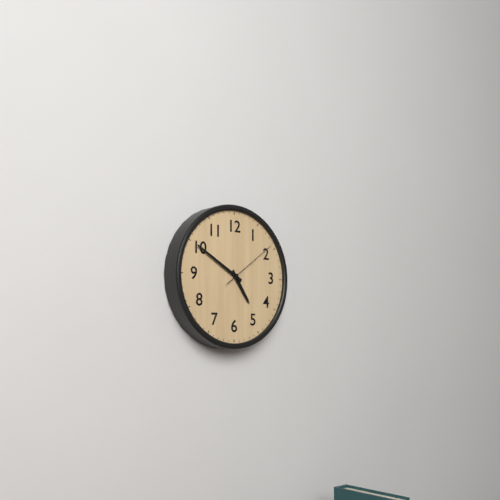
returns 4,50,09
